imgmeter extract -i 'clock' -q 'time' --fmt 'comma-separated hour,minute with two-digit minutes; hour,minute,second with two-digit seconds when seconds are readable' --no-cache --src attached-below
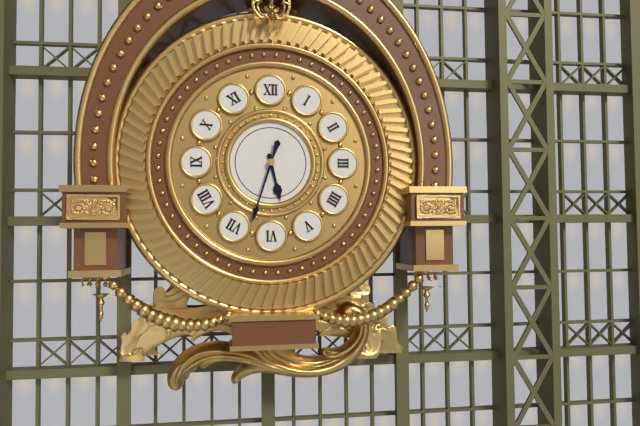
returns 5,33
